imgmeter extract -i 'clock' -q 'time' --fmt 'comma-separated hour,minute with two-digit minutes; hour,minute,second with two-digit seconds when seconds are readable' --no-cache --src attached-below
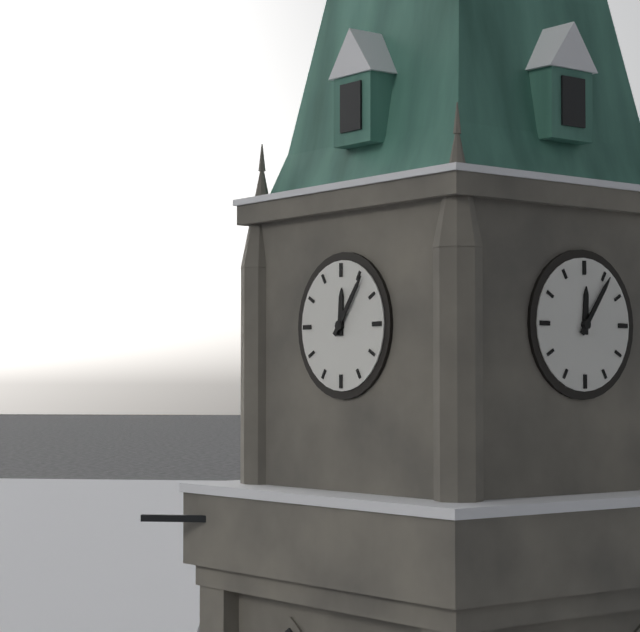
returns 12,06
